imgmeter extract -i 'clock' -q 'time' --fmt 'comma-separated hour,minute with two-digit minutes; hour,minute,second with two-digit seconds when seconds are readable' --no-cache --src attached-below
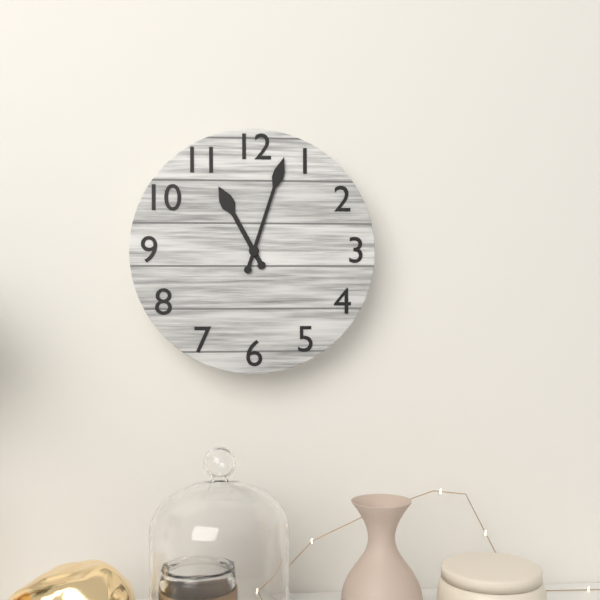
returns 11,03
